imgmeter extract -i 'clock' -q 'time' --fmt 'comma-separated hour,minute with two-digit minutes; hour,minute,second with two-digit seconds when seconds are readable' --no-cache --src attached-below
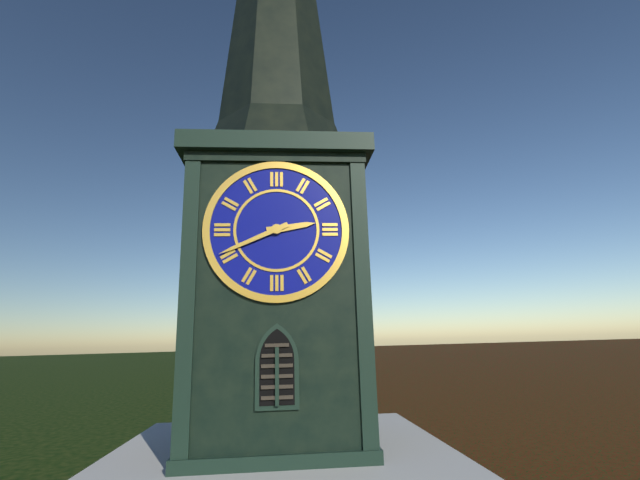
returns 2,41
